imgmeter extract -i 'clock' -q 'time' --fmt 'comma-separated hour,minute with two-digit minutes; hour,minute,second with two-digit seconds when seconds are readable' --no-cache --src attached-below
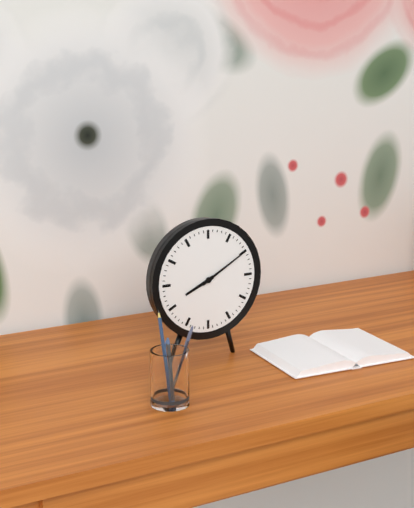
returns 8,10
